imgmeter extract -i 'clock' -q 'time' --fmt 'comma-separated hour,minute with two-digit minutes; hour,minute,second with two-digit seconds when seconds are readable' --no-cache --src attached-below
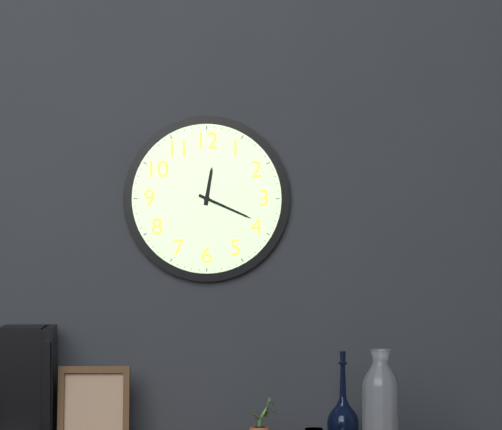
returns 12,19
